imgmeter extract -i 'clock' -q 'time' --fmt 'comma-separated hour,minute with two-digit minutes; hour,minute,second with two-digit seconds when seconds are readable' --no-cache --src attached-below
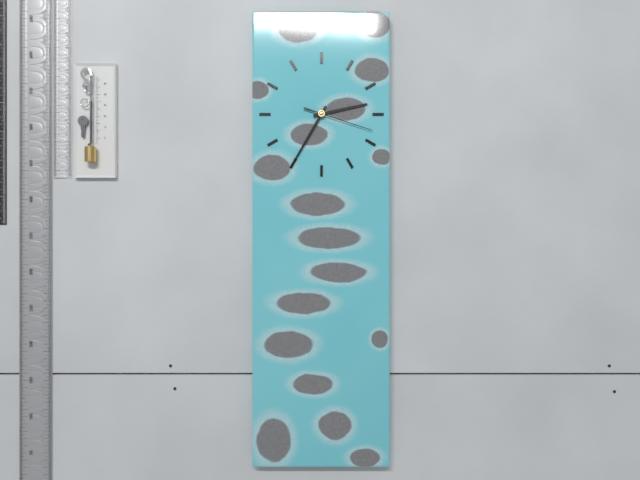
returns 2,35,18
